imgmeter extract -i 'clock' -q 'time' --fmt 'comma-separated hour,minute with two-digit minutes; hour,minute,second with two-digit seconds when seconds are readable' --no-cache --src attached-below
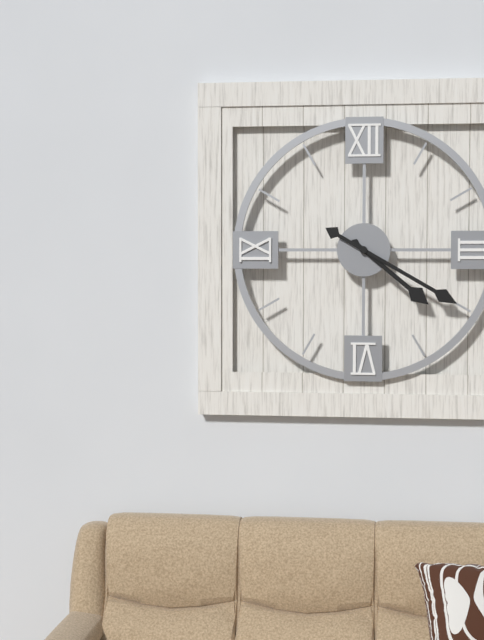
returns 4,20
